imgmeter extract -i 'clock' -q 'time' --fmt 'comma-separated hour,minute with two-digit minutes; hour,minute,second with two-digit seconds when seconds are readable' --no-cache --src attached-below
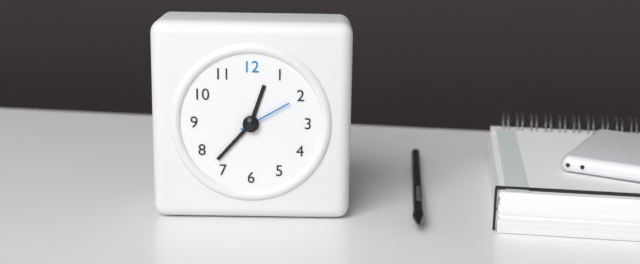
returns 12,37,10
